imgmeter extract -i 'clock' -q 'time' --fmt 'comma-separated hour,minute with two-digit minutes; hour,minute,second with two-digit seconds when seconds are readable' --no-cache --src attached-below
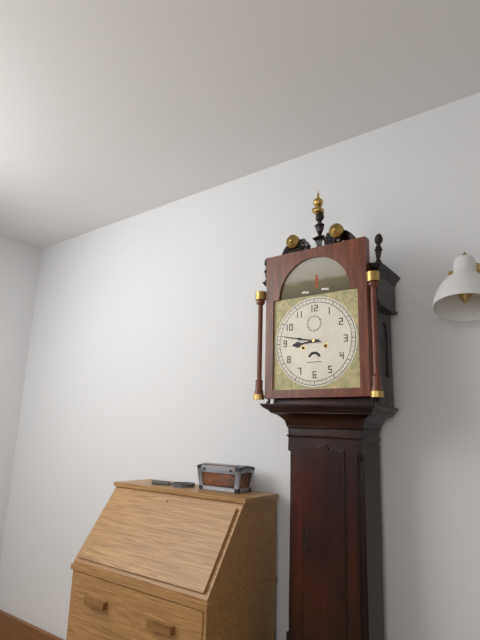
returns 8,47
